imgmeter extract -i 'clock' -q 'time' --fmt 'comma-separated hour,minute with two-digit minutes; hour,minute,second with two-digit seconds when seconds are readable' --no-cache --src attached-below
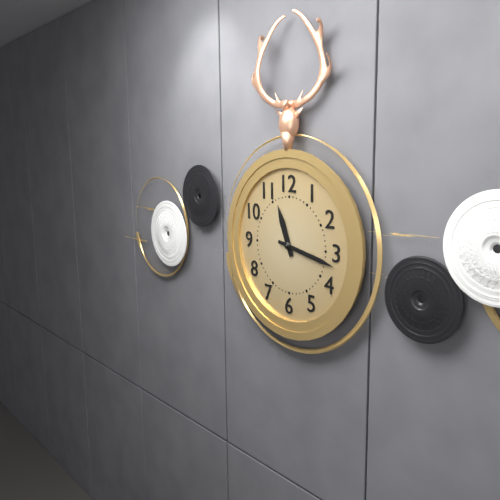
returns 11,17
